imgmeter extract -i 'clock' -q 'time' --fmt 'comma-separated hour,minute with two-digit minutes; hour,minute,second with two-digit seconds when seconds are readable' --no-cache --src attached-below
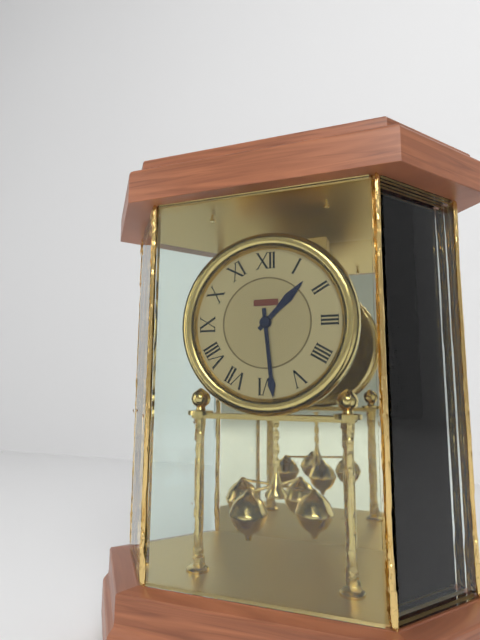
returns 1,29
